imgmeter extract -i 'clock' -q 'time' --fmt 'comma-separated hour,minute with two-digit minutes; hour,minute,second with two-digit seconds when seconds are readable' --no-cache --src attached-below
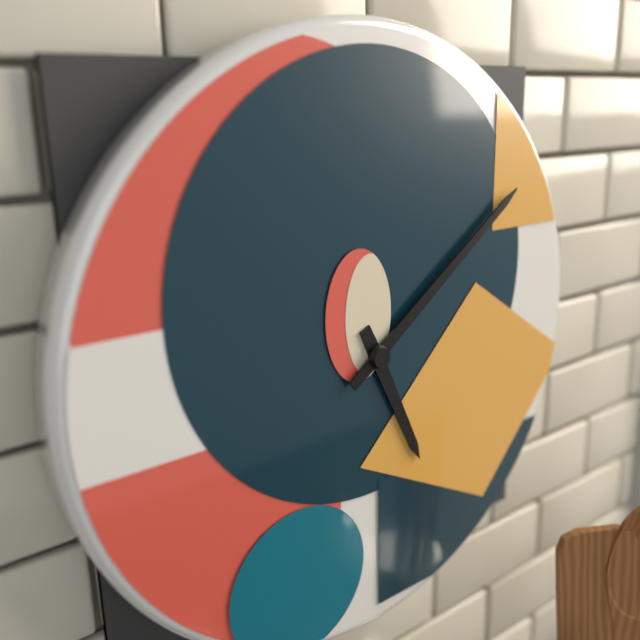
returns 5,09
